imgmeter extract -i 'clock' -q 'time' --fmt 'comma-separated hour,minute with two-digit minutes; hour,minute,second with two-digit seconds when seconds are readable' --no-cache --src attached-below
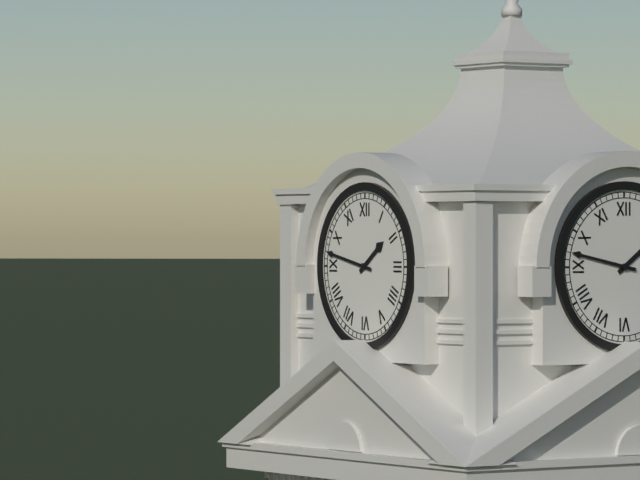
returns 1,47
